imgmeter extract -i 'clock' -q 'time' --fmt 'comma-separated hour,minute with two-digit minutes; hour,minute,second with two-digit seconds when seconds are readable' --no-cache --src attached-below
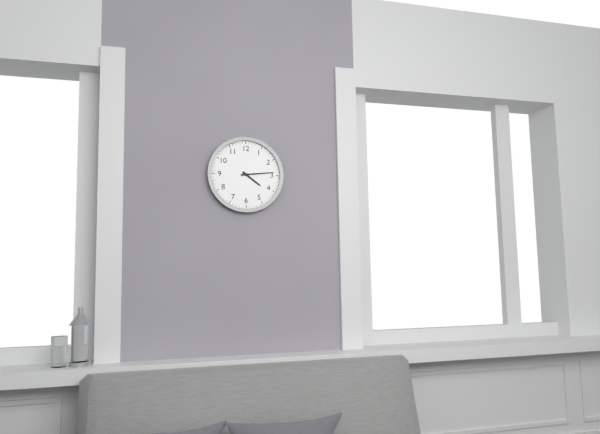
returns 4,14
